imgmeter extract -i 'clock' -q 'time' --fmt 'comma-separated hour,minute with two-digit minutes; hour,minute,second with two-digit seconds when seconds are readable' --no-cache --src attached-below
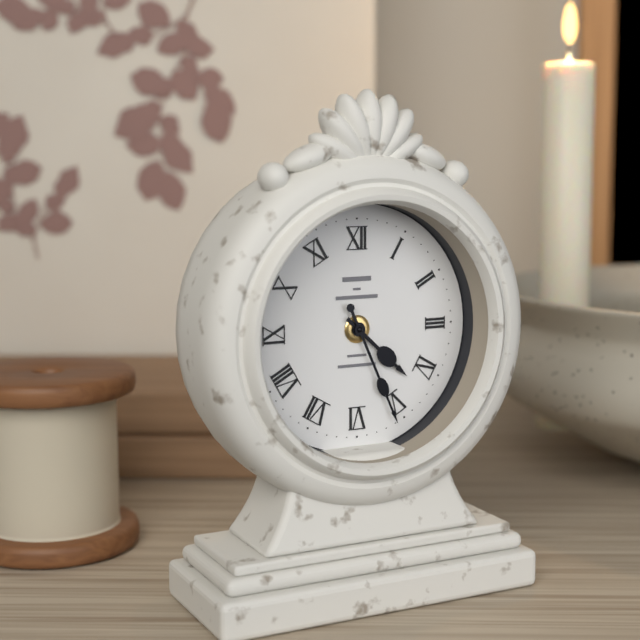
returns 4,26
